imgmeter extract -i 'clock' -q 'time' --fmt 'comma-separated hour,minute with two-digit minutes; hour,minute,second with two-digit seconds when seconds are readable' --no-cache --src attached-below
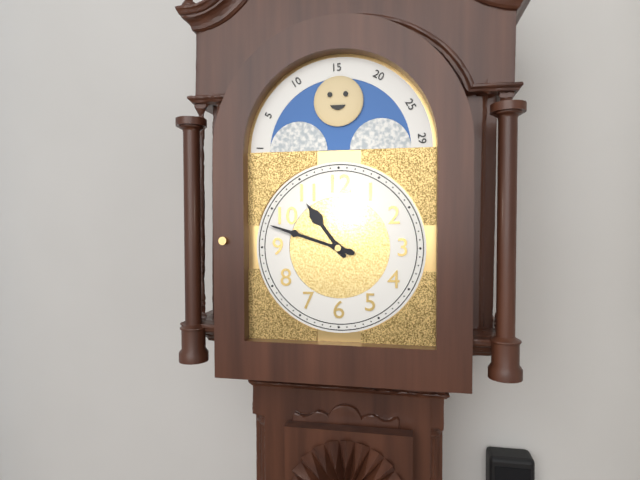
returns 10,48
